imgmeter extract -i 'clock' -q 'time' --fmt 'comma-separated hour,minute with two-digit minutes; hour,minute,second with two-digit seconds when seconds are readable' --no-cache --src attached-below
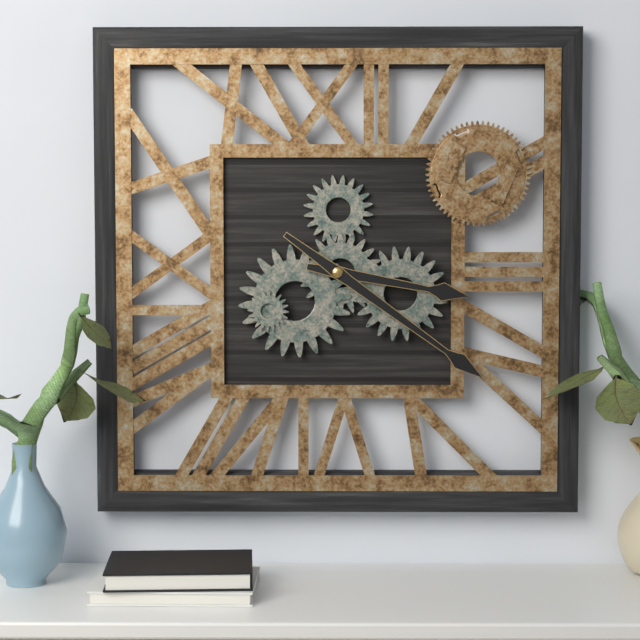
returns 3,21
